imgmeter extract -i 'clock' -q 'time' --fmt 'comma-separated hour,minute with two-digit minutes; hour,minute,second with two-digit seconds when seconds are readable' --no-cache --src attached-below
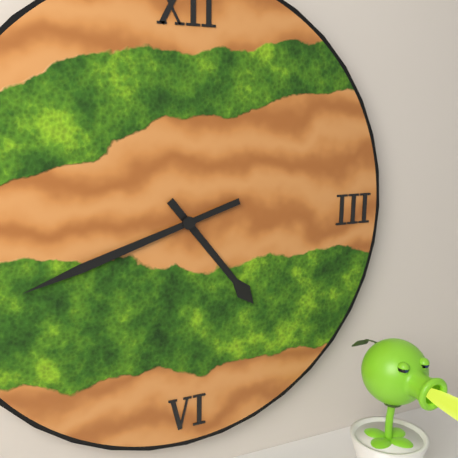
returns 4,42
